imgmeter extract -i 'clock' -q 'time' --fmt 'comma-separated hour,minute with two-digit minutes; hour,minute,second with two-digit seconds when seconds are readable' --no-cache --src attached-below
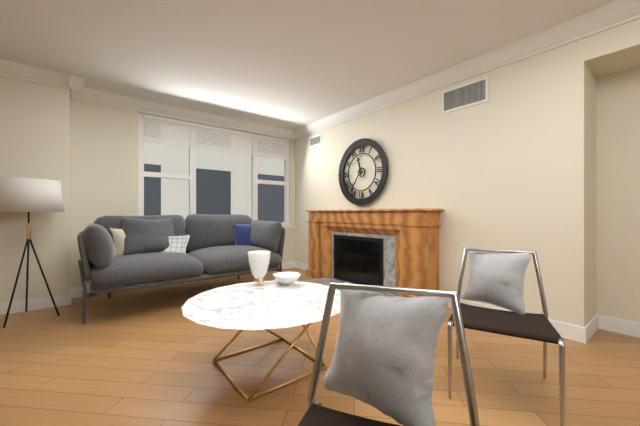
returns 11,36
